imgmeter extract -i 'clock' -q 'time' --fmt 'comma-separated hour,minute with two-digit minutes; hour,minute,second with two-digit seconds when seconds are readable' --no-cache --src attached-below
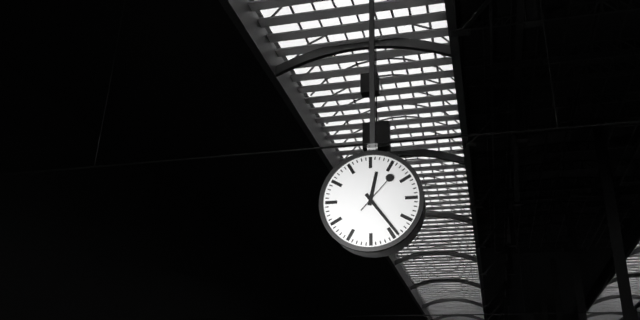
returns 12,24
